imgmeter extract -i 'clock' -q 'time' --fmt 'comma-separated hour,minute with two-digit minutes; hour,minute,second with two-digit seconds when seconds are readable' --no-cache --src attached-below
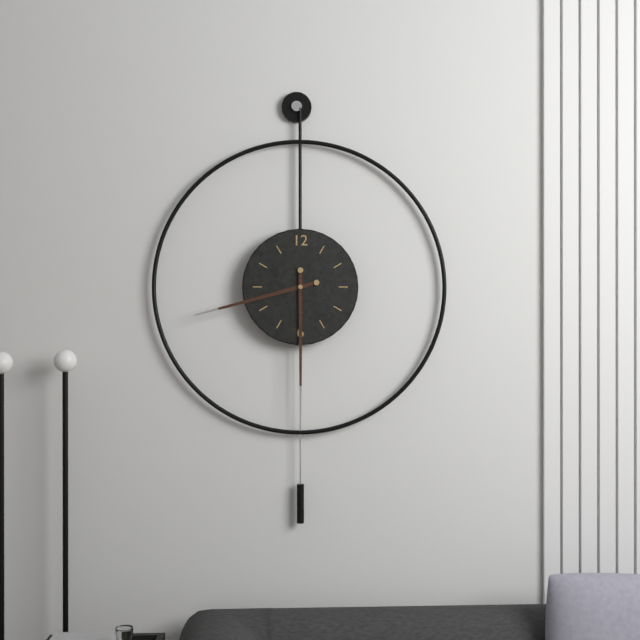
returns 8,30
